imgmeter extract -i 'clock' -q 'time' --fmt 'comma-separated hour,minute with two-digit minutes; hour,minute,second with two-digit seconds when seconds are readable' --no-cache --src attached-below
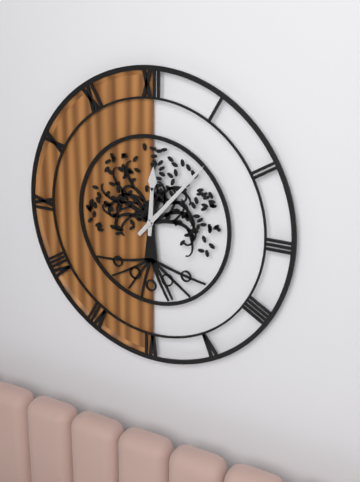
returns 12,07
